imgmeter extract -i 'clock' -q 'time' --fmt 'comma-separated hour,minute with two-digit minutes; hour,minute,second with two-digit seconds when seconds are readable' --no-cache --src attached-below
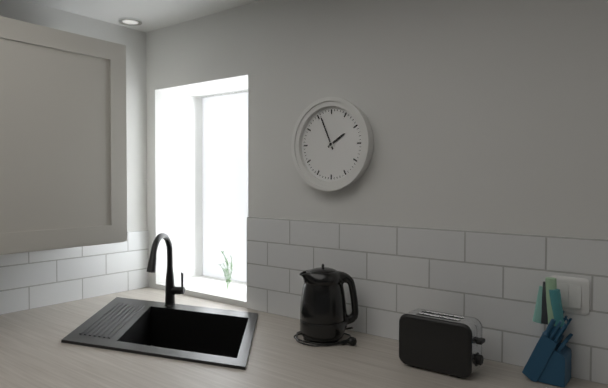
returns 1,56
